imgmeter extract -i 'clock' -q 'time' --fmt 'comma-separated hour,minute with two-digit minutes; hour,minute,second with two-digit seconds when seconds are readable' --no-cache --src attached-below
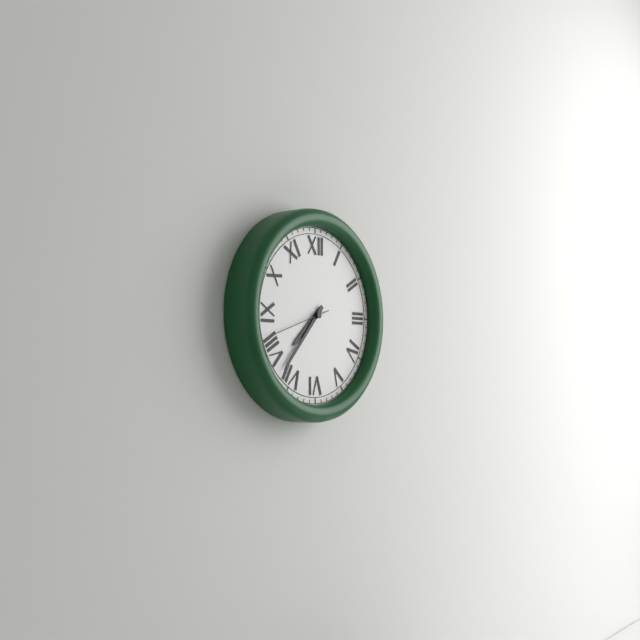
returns 7,37
